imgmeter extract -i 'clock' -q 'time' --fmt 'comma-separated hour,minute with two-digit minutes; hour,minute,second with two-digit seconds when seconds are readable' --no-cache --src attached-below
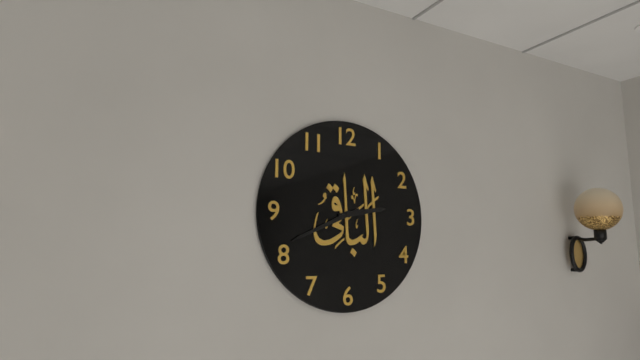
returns 2,41
